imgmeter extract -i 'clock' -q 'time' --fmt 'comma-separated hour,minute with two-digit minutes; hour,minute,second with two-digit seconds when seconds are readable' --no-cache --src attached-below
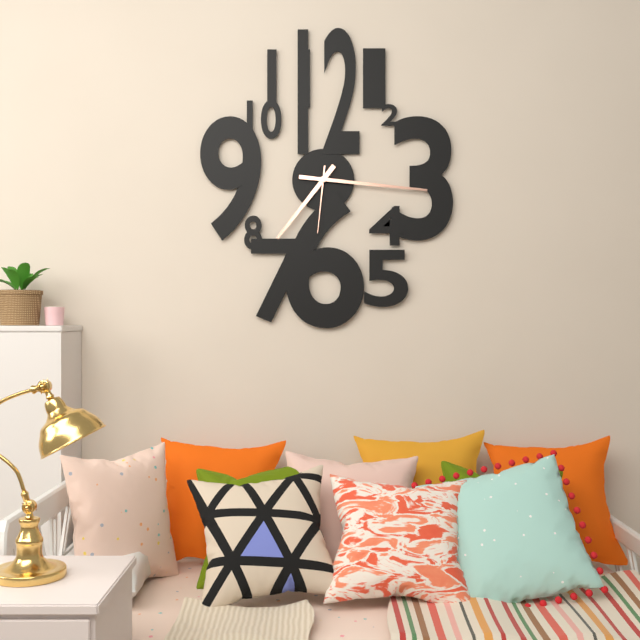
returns 7,16,31
